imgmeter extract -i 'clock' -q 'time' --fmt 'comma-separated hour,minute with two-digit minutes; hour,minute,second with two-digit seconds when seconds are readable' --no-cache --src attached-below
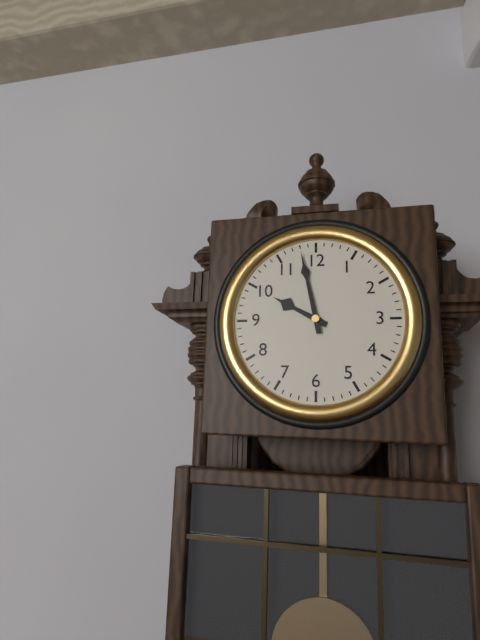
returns 9,58
